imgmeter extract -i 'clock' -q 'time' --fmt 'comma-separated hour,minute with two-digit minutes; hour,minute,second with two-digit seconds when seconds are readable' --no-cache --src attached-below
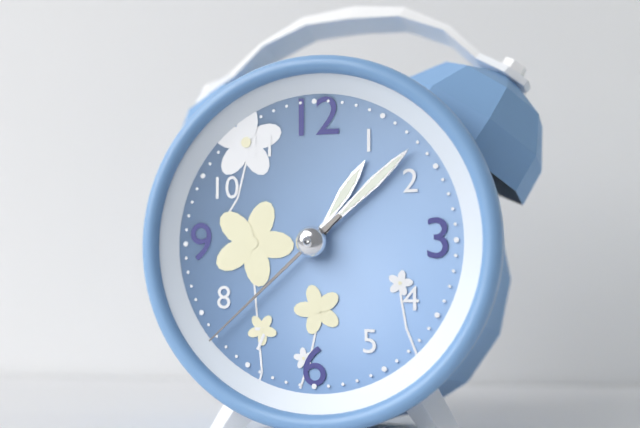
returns 1,08,38
